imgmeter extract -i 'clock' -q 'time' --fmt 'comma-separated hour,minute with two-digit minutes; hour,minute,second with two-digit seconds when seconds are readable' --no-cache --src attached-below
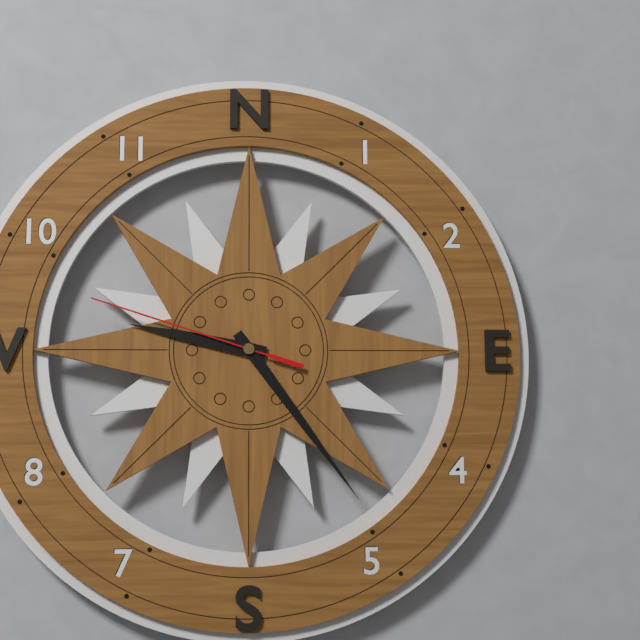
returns 9,24,48
